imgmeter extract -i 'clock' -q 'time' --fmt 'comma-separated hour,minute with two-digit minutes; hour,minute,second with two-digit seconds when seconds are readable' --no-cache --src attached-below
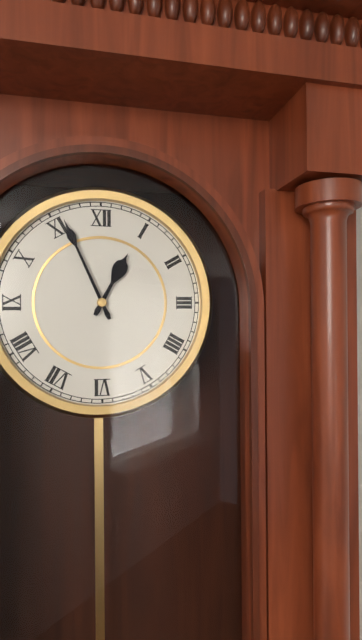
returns 12,56
